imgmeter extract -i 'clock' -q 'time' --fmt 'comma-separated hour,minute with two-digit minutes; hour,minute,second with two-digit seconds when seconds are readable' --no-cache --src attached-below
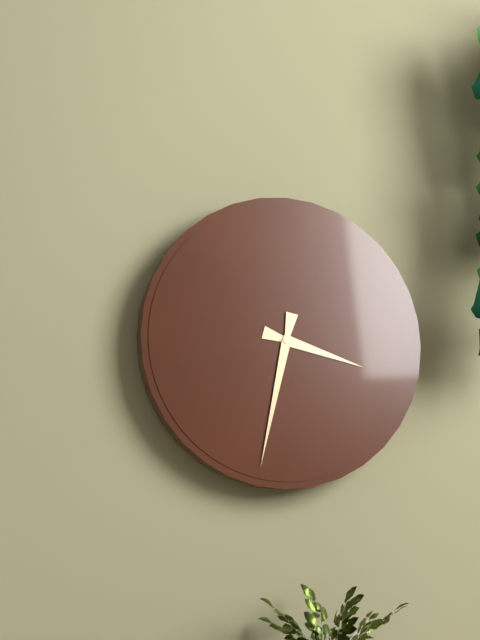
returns 3,32
